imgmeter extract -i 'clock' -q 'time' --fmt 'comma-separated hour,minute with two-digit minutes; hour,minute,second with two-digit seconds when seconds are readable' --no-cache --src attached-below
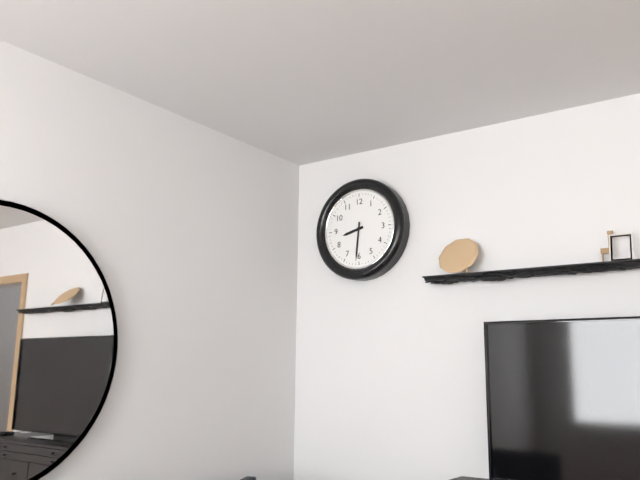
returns 8,31
